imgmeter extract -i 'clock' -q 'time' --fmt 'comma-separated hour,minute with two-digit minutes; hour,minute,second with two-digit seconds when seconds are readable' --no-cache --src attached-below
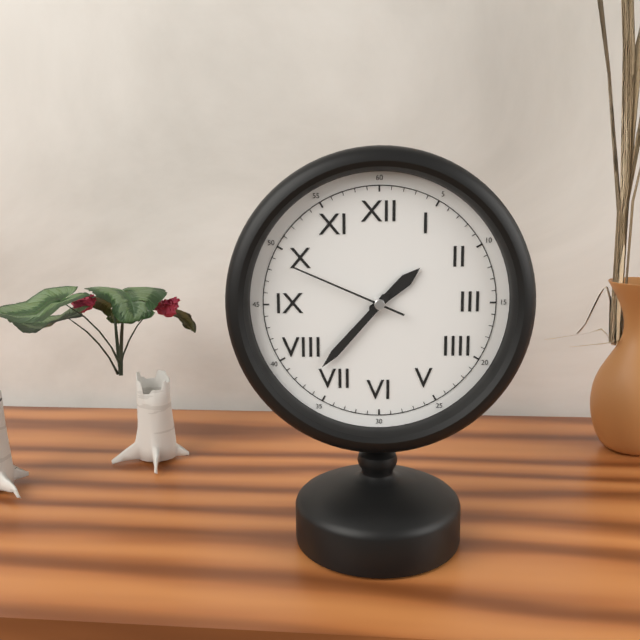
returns 1,37,49
